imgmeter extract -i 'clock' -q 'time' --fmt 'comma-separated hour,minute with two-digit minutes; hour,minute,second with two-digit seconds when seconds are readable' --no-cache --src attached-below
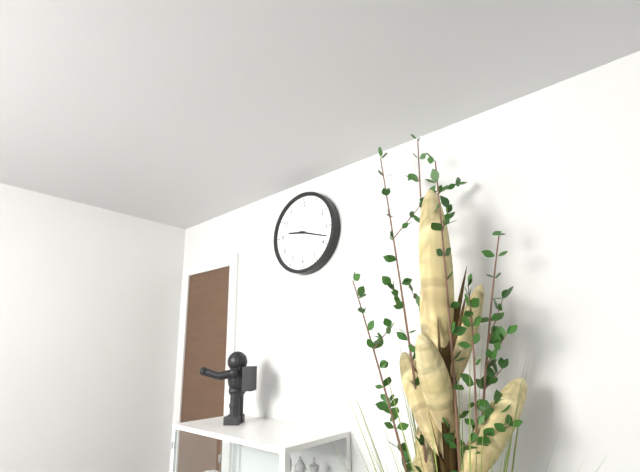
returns 9,18
